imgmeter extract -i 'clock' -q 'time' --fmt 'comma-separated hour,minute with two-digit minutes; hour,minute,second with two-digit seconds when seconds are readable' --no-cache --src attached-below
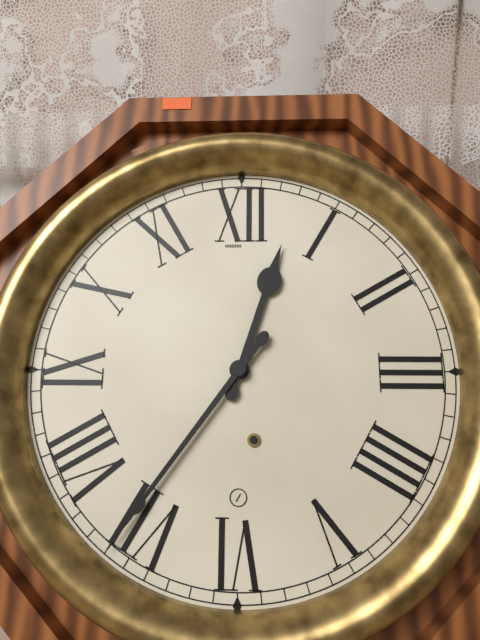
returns 12,36
